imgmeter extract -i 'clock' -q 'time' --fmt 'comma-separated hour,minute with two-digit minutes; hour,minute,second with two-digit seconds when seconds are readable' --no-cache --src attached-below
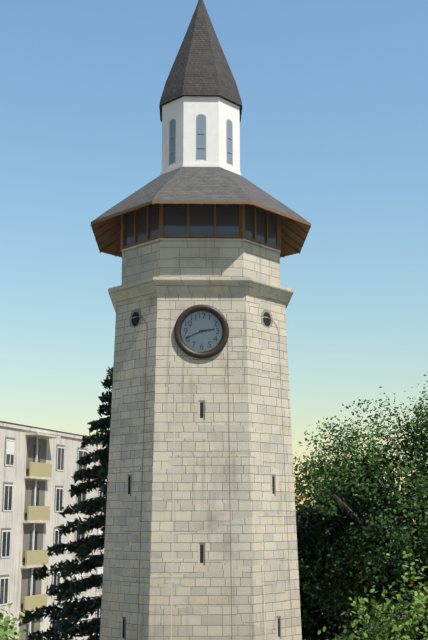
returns 2,41
